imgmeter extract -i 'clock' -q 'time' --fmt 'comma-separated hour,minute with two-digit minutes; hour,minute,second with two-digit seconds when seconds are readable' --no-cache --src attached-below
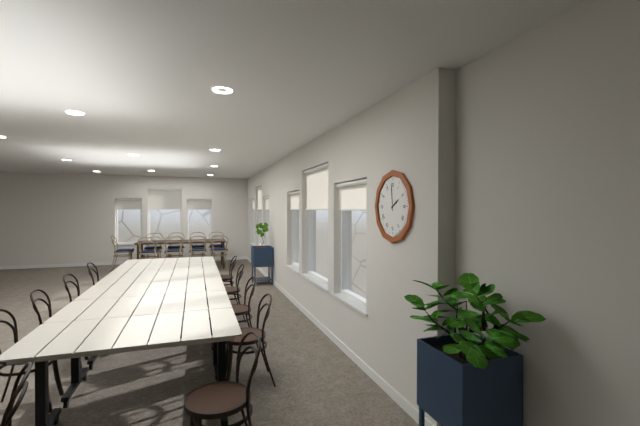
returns 1,59
